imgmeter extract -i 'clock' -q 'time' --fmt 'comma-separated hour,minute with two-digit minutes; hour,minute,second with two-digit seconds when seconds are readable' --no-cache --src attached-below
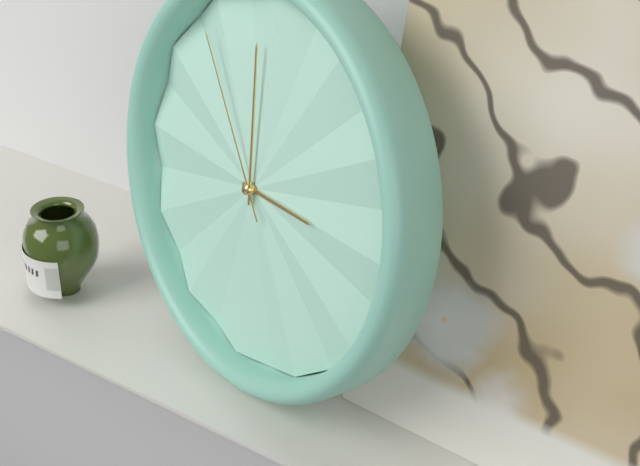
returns 2,59,54
